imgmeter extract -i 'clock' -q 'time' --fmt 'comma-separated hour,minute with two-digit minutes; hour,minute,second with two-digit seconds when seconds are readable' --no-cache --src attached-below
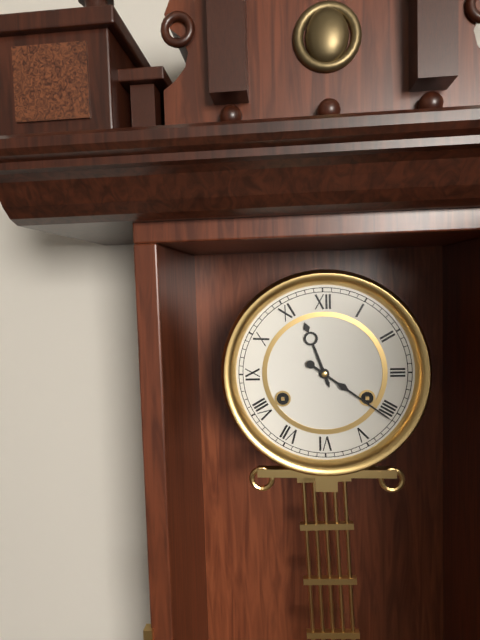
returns 11,21
